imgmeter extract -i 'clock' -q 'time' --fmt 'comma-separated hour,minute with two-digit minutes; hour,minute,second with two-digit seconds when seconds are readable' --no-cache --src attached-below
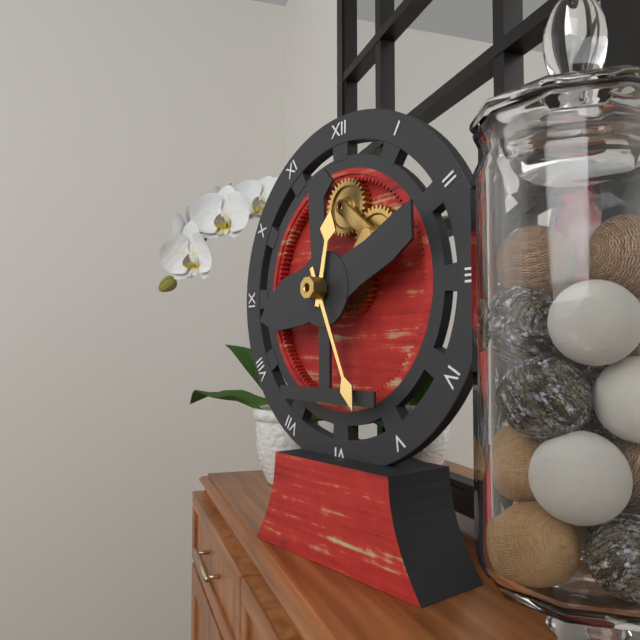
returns 12,26
